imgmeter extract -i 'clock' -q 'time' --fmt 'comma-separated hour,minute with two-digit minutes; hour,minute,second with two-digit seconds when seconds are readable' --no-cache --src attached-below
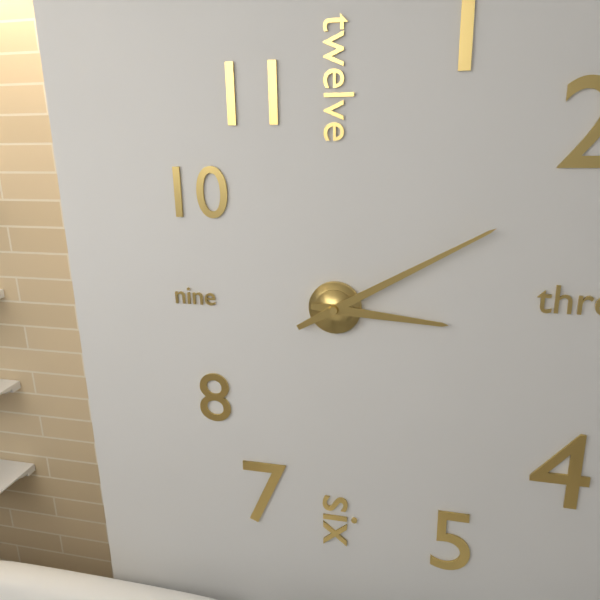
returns 3,10
